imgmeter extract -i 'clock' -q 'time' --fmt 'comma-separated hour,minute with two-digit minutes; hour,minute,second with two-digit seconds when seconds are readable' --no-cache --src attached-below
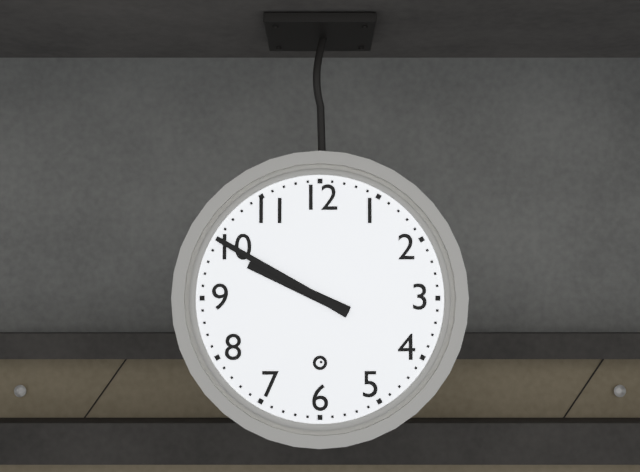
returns 9,50
